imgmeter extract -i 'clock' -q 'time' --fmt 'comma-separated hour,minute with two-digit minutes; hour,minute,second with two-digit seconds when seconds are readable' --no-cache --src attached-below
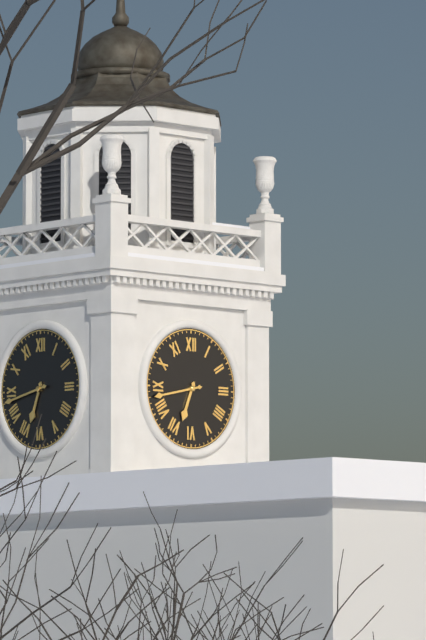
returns 6,43
